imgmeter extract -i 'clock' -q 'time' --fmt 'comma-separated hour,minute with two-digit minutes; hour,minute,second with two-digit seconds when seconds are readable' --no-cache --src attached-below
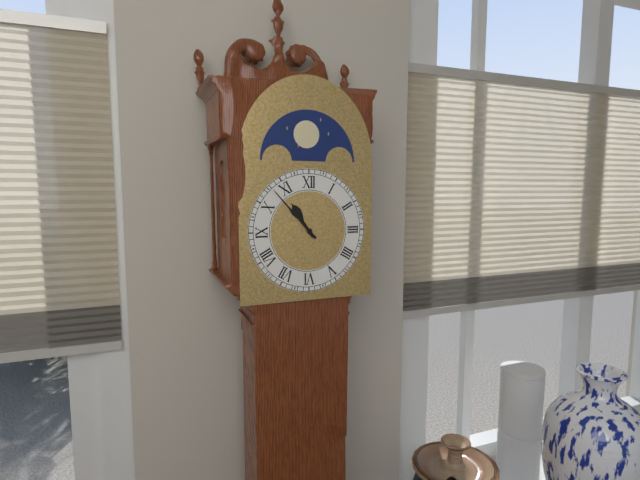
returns 10,53
